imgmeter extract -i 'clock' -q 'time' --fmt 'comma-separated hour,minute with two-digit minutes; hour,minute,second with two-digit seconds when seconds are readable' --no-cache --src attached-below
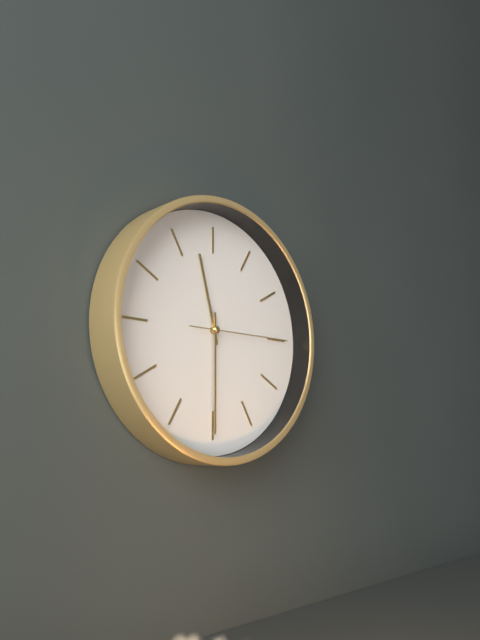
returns 11,30,15
